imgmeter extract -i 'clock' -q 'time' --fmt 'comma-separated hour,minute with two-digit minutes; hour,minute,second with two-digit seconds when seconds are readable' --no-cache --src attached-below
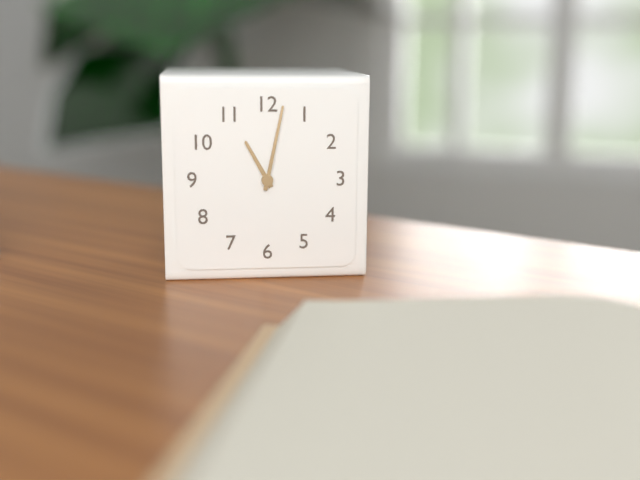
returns 11,02
